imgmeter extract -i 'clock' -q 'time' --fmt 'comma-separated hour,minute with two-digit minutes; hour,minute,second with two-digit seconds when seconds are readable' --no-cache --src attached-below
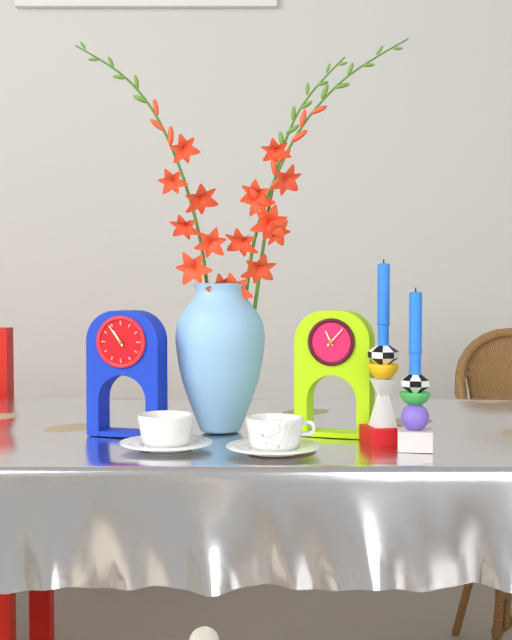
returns 10,54
